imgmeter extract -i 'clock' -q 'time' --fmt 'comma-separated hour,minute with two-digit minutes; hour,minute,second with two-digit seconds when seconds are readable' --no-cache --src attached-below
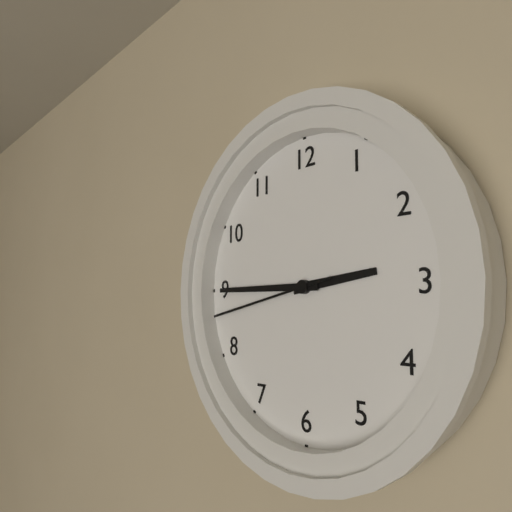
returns 2,45,43
